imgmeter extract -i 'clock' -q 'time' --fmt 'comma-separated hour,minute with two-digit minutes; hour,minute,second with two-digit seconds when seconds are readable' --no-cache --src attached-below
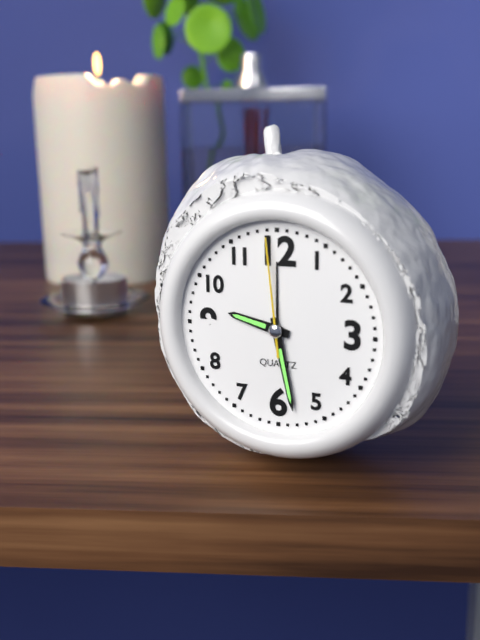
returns 9,28,59
